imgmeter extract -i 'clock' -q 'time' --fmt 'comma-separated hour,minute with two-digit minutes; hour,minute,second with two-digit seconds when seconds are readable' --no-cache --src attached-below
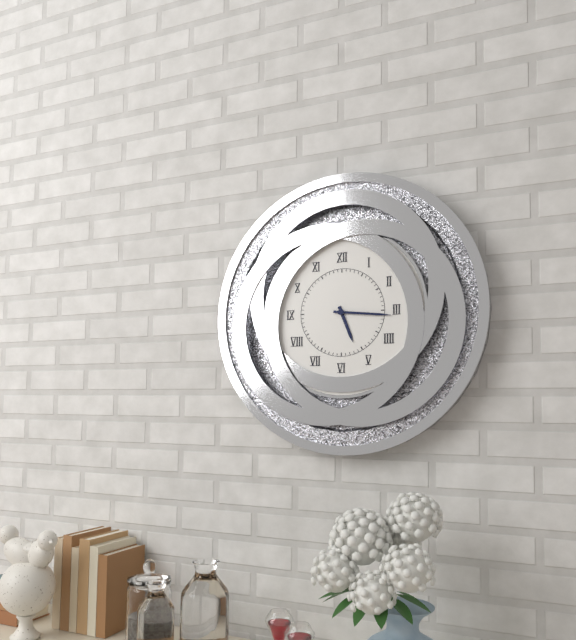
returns 5,16
